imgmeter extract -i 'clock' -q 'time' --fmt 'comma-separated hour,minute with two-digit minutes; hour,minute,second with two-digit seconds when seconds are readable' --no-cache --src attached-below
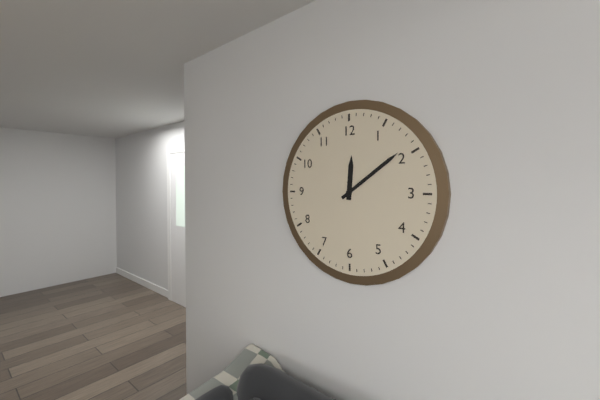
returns 12,09
